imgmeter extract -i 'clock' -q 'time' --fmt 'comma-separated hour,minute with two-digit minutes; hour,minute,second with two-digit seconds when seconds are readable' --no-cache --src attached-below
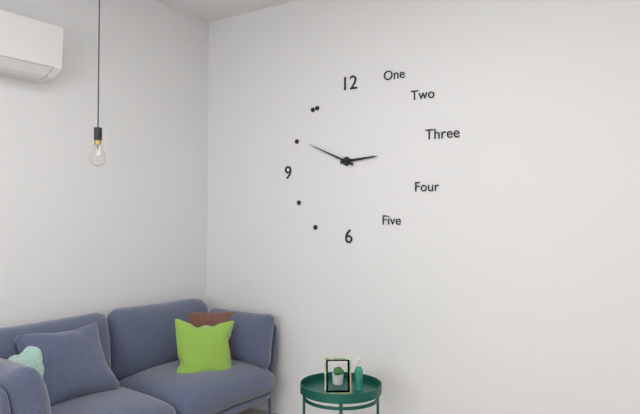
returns 2,49
